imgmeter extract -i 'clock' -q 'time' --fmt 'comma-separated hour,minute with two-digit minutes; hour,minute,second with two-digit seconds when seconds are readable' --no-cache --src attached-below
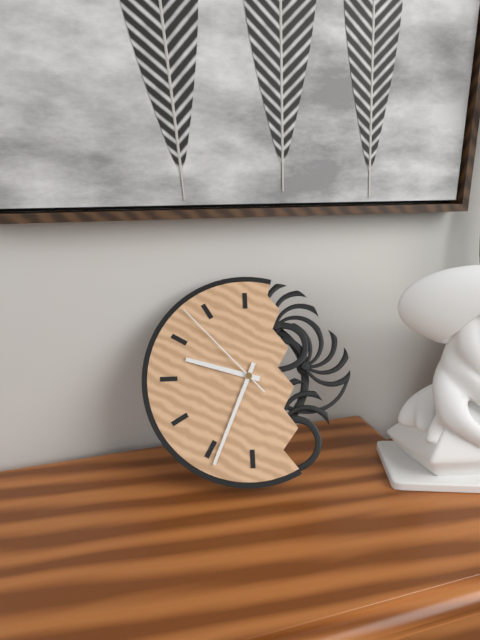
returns 9,34,53
